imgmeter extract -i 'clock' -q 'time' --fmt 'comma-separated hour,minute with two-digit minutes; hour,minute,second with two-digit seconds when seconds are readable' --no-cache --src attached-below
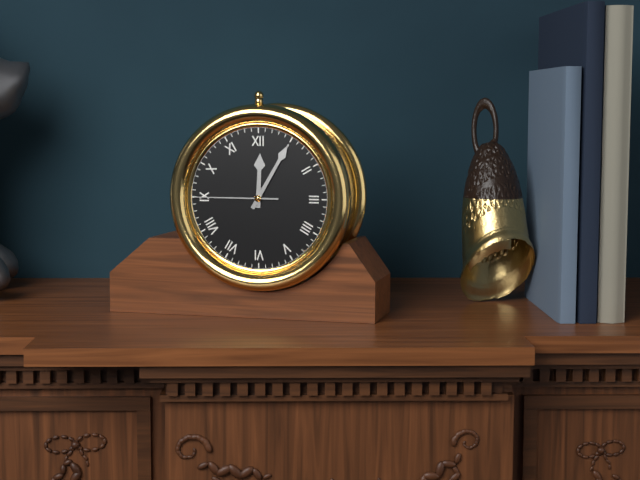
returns 12,05,45
